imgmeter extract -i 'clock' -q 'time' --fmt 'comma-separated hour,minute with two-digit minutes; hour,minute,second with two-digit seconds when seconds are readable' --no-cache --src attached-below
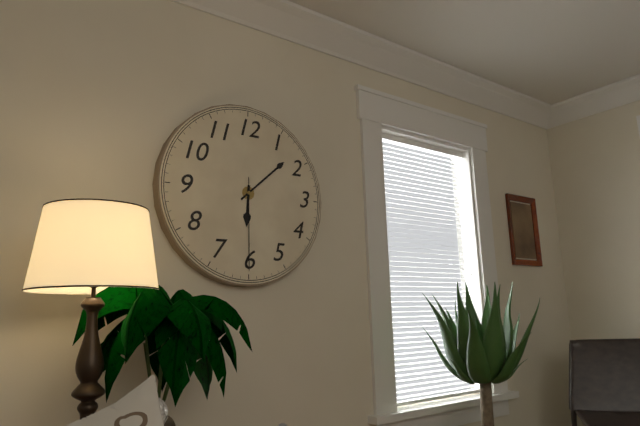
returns 6,08,30
